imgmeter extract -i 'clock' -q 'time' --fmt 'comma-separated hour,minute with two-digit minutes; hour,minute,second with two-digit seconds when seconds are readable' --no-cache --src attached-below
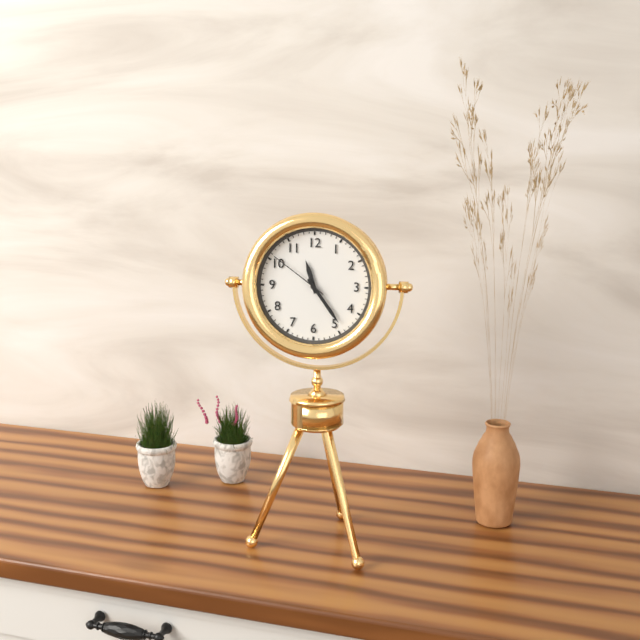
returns 11,24,51
